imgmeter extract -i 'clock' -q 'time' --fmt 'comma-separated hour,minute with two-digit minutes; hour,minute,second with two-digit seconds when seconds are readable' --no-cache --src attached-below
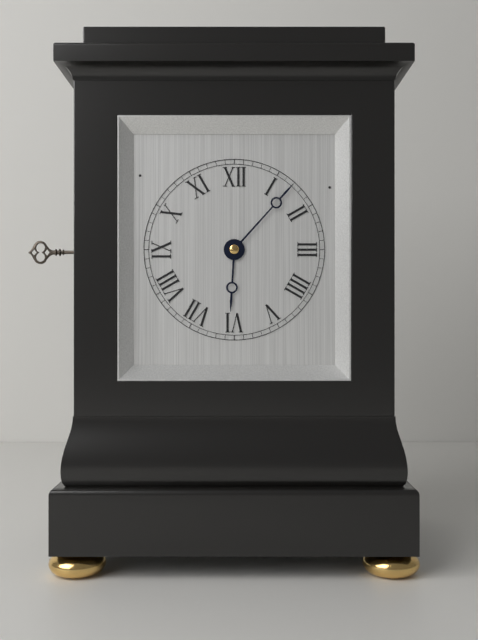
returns 6,07
